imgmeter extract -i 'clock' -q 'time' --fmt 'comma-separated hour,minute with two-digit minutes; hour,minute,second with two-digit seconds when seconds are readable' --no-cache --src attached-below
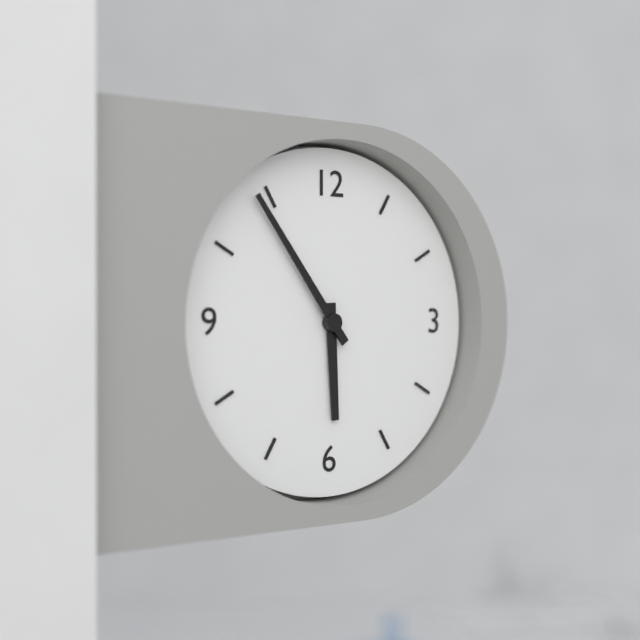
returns 5,54
